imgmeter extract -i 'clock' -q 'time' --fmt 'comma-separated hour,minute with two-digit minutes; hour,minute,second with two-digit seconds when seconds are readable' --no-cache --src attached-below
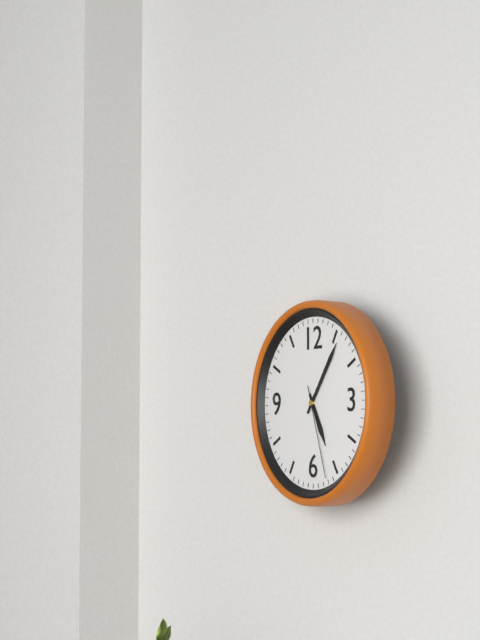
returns 5,06,27
